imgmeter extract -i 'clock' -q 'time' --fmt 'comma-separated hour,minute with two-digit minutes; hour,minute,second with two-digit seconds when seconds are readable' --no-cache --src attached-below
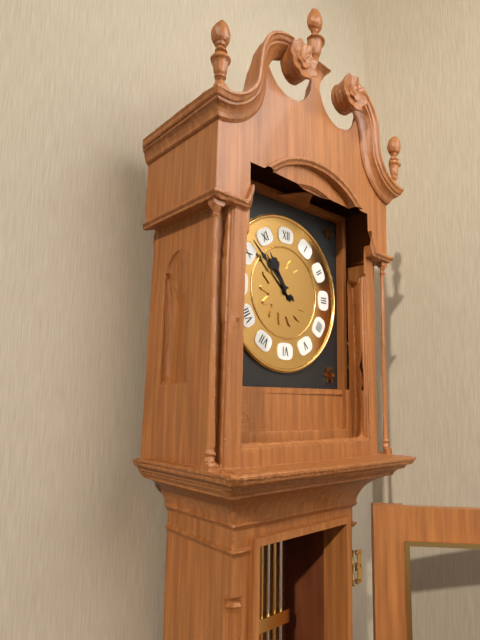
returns 10,52
